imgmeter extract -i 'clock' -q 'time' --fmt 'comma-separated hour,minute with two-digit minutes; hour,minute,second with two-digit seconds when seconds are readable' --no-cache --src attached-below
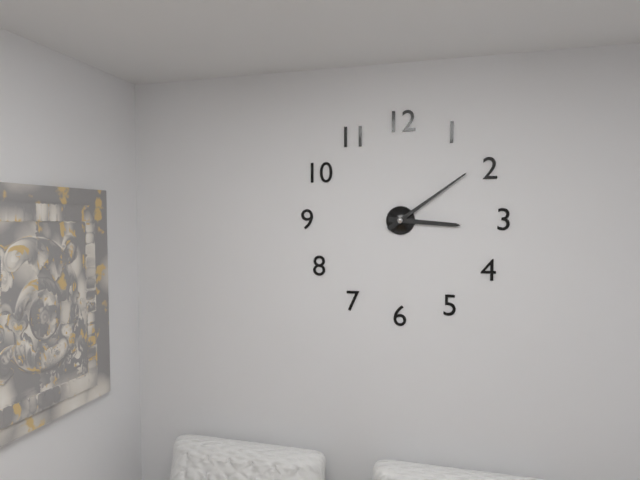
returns 3,09
